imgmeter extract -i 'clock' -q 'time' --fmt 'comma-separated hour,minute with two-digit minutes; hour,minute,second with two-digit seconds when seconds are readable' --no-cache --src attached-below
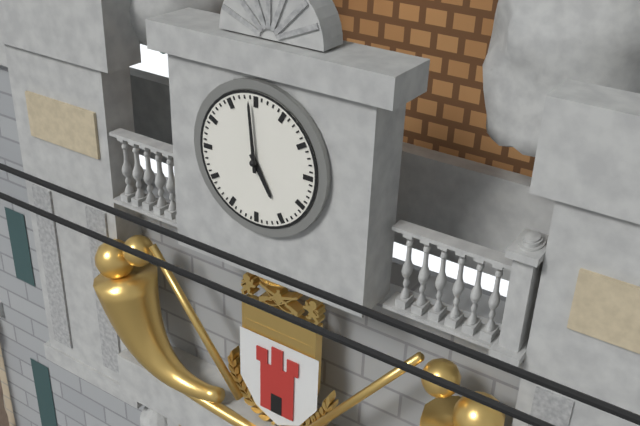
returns 4,59
